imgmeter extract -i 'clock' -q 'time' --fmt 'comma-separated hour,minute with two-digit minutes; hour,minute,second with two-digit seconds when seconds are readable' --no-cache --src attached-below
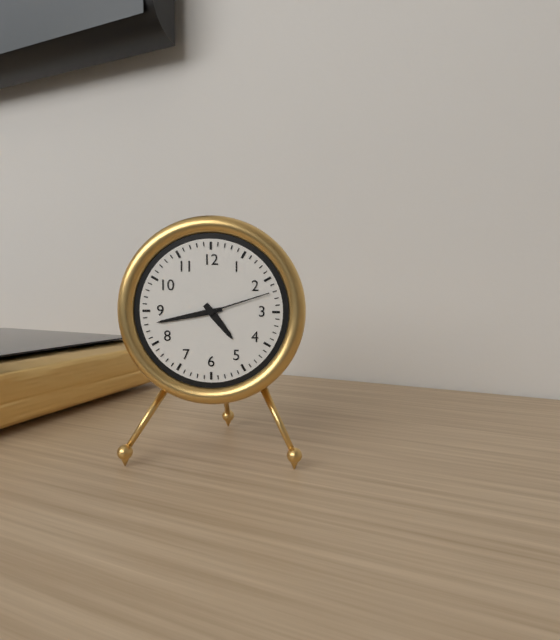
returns 4,43,12
